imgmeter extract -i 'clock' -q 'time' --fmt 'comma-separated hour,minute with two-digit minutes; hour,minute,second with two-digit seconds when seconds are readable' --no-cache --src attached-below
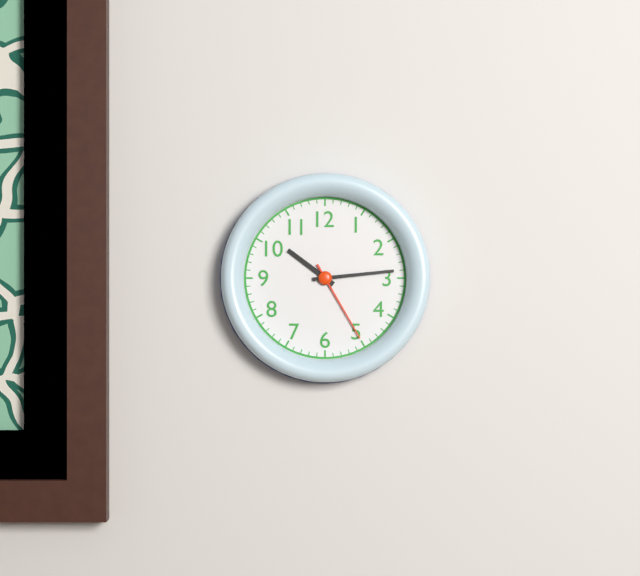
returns 10,14,25
